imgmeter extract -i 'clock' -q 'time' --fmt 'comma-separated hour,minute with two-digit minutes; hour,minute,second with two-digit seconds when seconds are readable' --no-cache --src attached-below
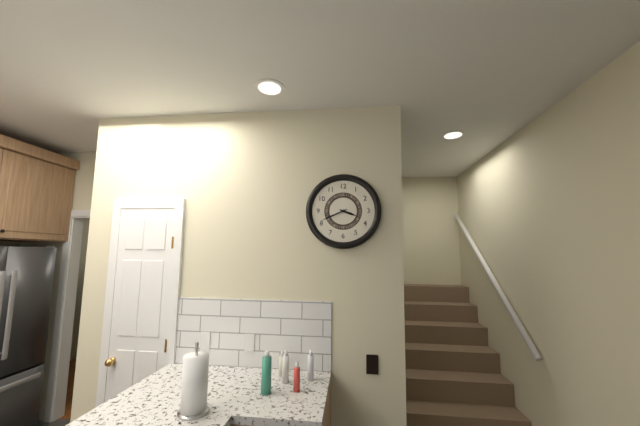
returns 3,41
